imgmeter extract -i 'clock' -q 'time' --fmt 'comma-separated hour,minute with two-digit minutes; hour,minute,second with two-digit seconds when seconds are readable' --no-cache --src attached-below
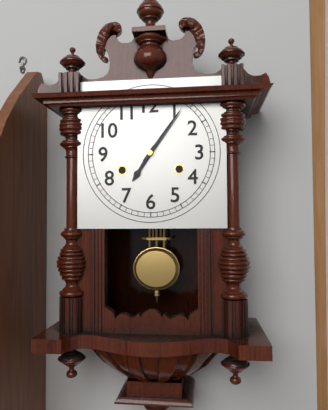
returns 7,06
